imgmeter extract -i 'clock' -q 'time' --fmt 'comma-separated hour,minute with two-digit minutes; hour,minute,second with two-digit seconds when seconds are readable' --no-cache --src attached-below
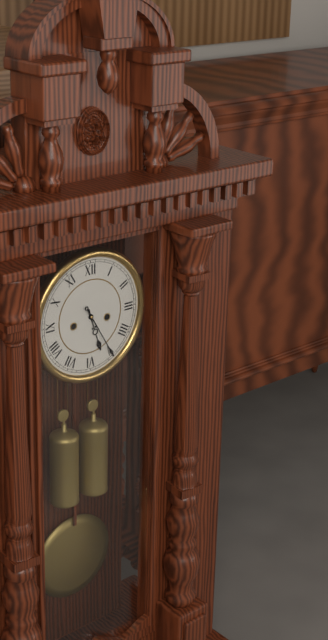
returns 5,25
